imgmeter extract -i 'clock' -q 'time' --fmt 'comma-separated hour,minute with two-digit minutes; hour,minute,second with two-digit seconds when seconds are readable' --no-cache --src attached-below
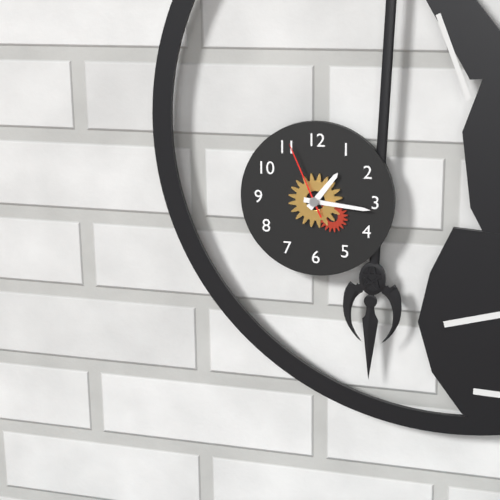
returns 1,16,56
